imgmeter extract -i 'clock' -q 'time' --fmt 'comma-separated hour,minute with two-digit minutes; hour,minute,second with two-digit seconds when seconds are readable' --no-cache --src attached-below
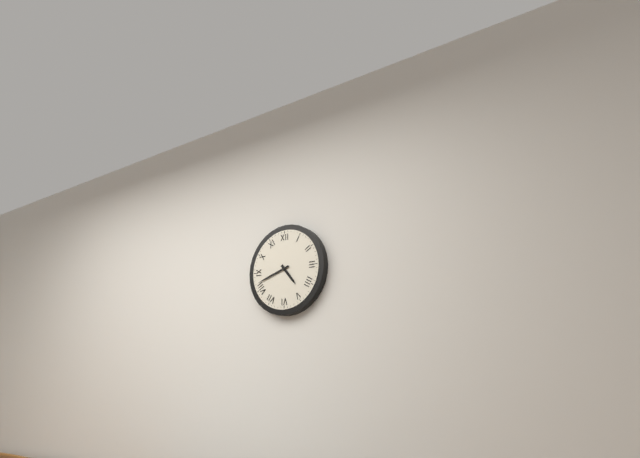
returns 4,42
